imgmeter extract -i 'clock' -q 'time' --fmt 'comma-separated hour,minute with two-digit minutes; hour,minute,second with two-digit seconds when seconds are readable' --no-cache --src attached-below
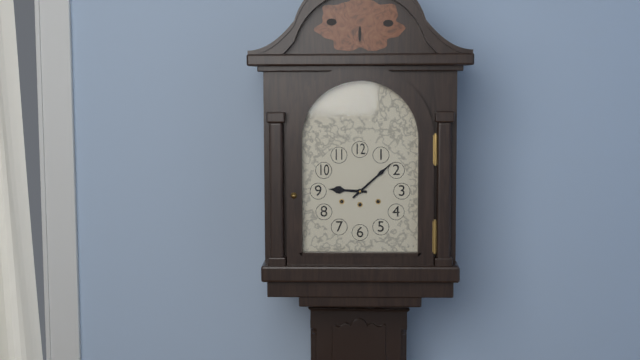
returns 9,08
